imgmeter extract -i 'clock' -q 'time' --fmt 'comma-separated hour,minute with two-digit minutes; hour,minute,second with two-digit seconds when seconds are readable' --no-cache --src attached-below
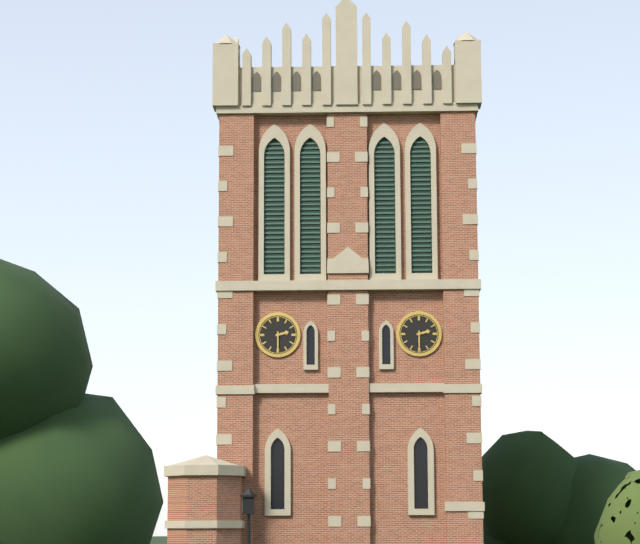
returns 2,30
